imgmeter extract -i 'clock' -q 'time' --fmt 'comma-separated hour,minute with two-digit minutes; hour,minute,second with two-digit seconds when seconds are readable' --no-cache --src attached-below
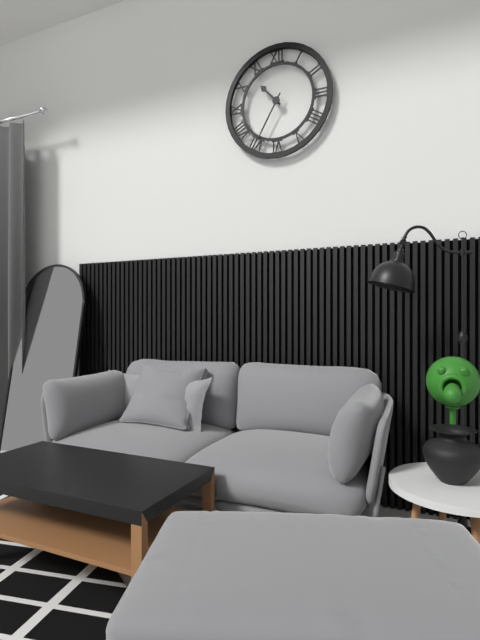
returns 10,35
